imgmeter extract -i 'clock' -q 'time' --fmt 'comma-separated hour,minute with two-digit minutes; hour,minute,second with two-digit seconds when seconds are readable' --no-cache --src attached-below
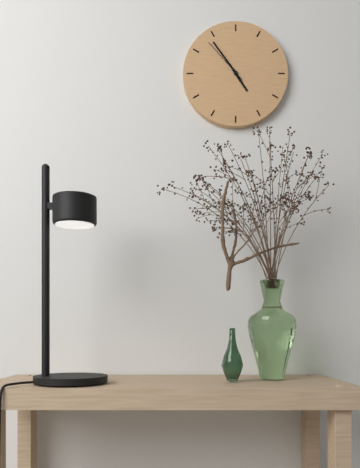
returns 4,54,53
